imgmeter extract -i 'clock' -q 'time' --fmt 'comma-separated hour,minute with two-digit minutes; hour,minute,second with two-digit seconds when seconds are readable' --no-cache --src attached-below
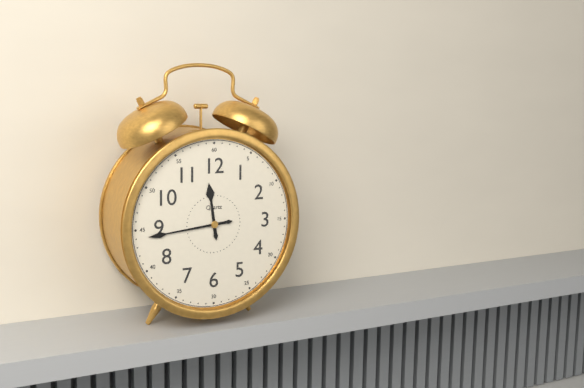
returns 11,44
